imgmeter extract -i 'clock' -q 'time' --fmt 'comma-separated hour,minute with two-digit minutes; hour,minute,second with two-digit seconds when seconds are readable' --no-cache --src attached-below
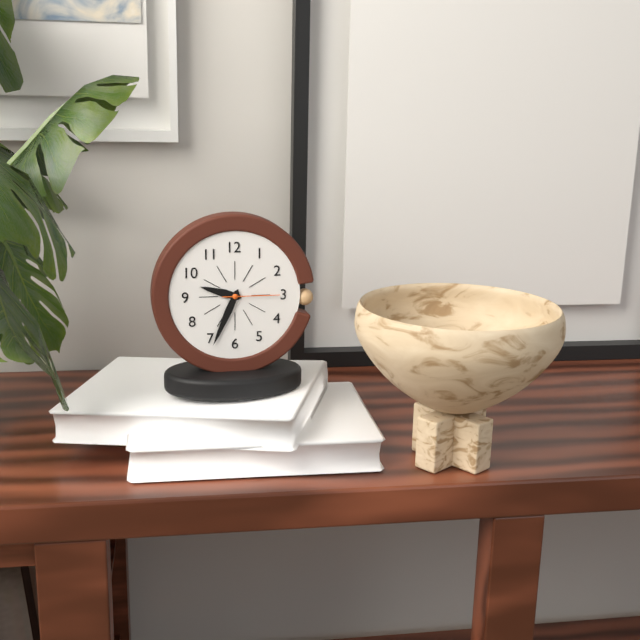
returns 9,34,15
